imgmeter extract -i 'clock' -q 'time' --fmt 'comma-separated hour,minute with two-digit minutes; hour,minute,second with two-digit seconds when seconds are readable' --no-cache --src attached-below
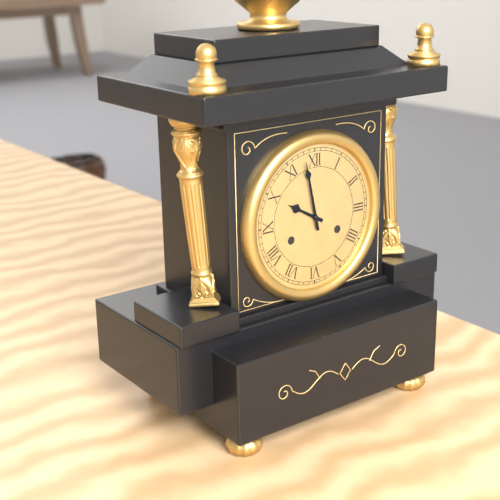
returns 9,58
